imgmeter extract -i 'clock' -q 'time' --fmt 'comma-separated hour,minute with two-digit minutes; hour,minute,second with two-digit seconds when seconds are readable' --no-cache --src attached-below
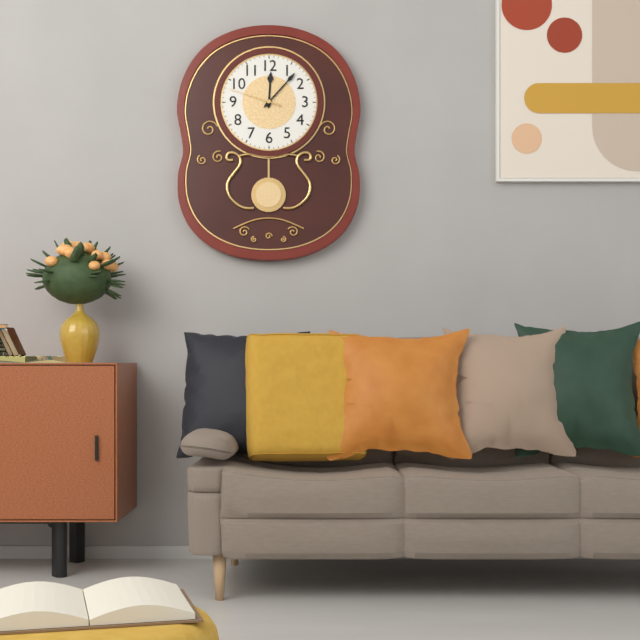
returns 12,07,48
